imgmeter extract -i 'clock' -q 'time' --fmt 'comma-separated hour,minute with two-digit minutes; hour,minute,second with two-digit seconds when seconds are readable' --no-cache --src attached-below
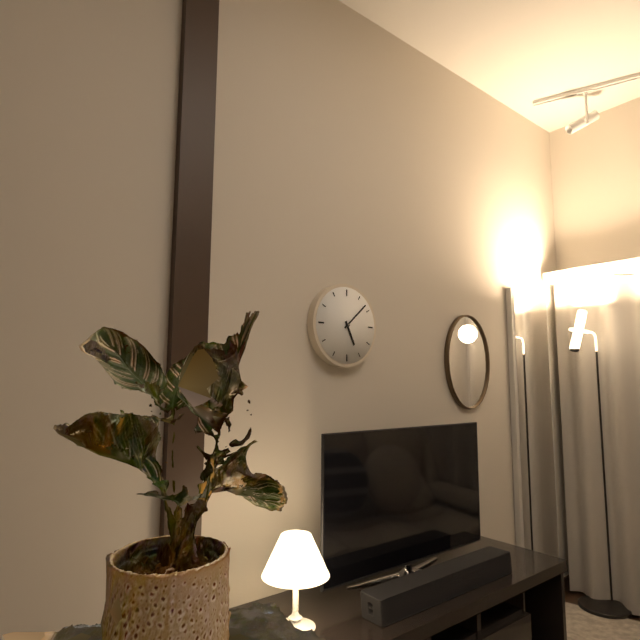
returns 5,08
